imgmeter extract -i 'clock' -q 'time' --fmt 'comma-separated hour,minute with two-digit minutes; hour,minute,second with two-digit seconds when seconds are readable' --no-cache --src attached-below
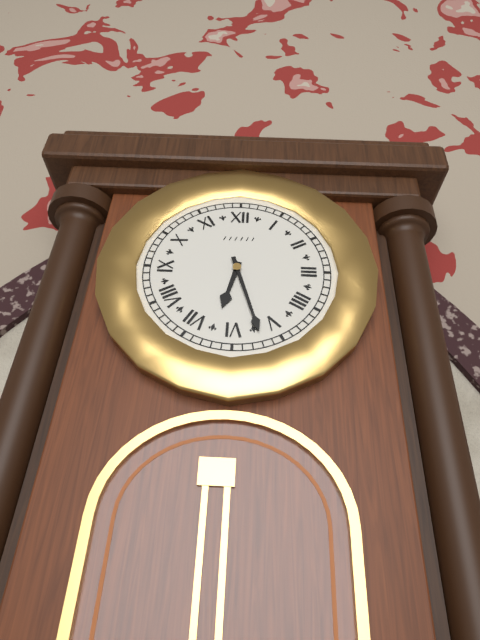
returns 6,27
